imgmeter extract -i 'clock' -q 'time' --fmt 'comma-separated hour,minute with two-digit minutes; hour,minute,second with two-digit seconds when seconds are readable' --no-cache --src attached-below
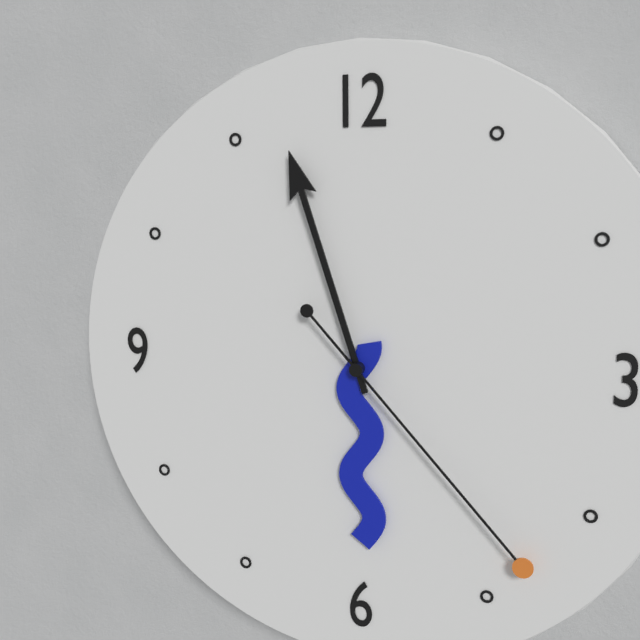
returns 5,57,23
